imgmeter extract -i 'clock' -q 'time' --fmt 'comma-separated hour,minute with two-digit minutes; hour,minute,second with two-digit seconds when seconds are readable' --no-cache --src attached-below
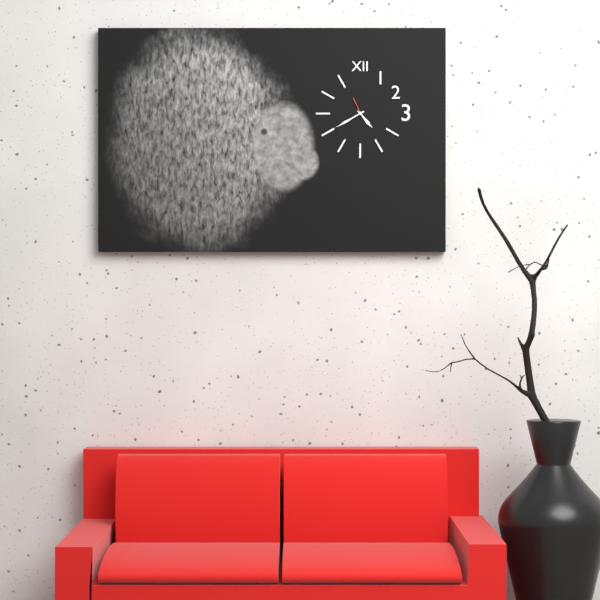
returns 4,40
